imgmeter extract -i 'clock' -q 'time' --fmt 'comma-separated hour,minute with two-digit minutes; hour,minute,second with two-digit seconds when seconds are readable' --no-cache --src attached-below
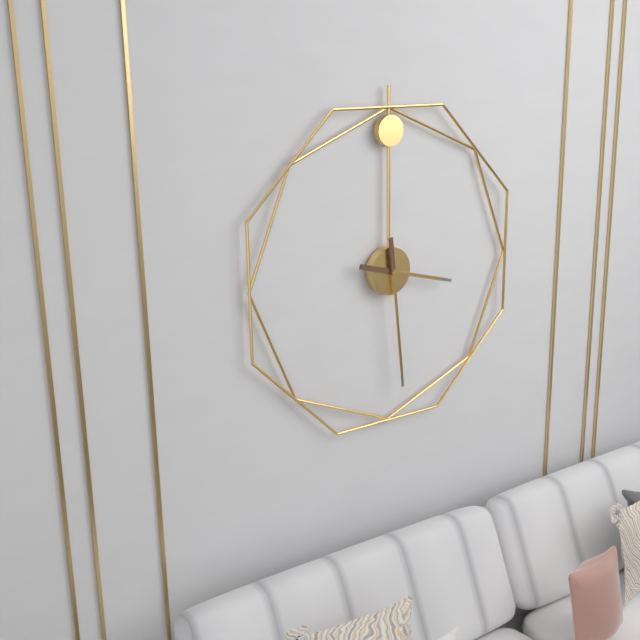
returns 3,29
